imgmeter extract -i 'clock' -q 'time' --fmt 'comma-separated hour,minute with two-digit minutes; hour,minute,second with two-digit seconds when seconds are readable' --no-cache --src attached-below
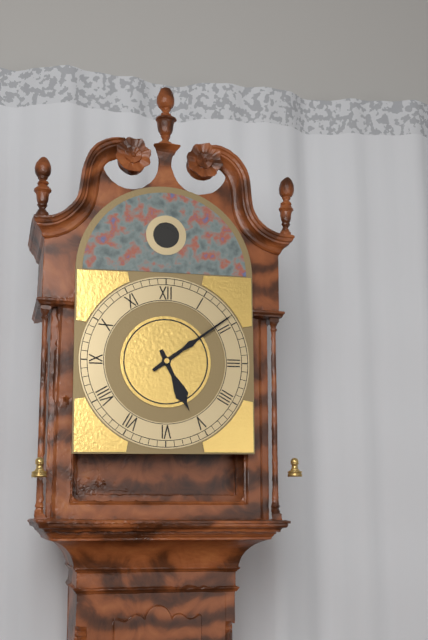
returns 5,09
